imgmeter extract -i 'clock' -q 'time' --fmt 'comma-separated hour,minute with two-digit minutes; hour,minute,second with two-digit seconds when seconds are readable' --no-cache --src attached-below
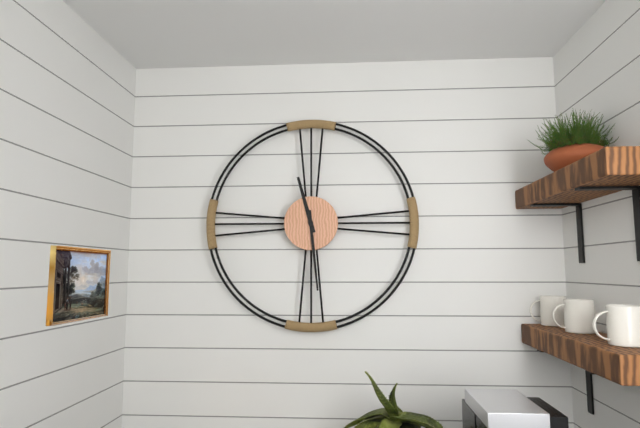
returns 11,29
